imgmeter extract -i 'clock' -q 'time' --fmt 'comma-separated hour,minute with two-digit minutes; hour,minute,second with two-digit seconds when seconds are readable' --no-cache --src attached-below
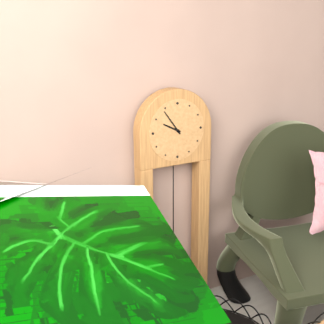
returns 9,54
